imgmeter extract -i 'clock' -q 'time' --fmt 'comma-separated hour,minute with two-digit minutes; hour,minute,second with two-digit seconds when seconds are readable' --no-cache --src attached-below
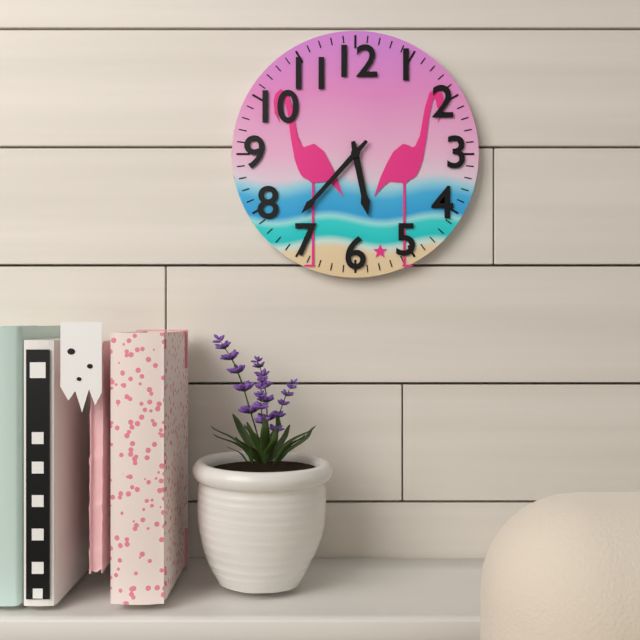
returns 5,37
